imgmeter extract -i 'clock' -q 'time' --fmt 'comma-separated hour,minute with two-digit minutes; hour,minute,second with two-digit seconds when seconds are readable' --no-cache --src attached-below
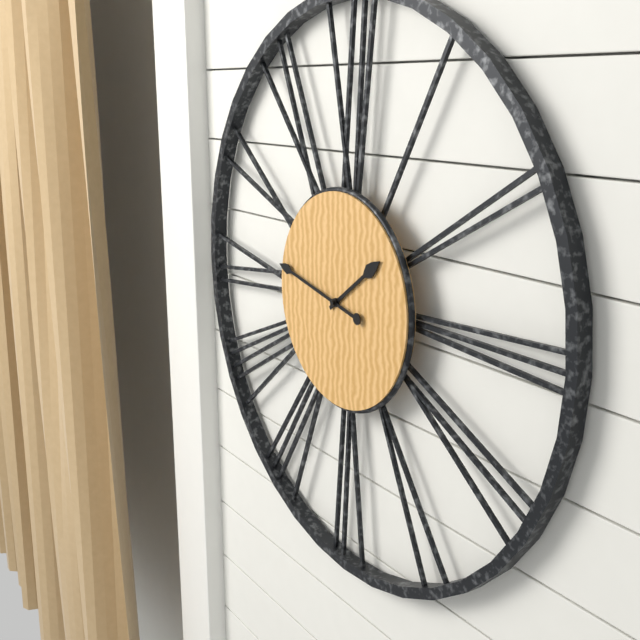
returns 1,47
